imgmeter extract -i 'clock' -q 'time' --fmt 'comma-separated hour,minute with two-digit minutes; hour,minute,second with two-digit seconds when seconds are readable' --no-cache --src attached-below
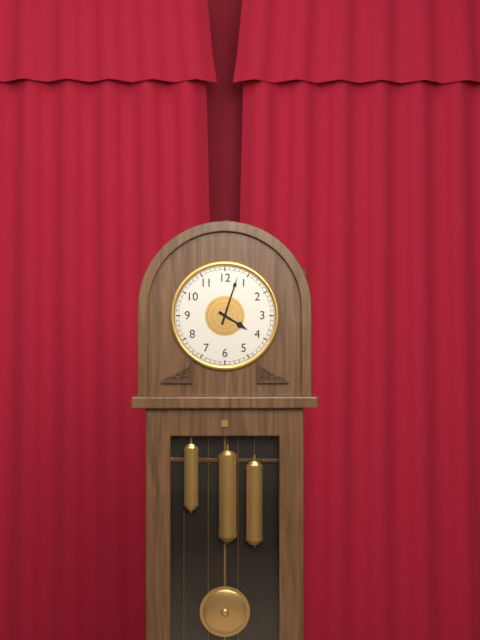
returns 4,03
